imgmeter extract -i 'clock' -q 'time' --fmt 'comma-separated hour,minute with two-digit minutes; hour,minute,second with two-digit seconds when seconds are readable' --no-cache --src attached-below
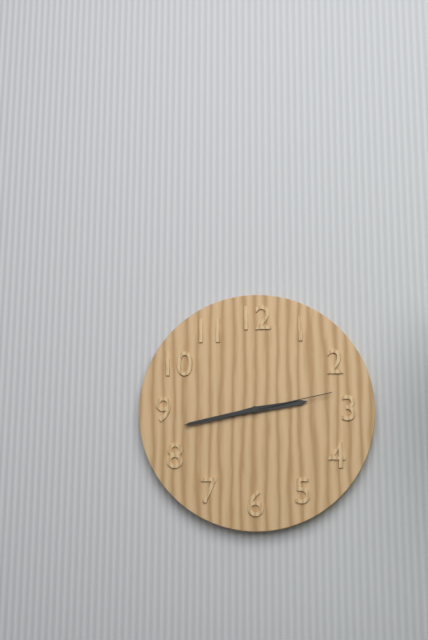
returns 2,43,13
